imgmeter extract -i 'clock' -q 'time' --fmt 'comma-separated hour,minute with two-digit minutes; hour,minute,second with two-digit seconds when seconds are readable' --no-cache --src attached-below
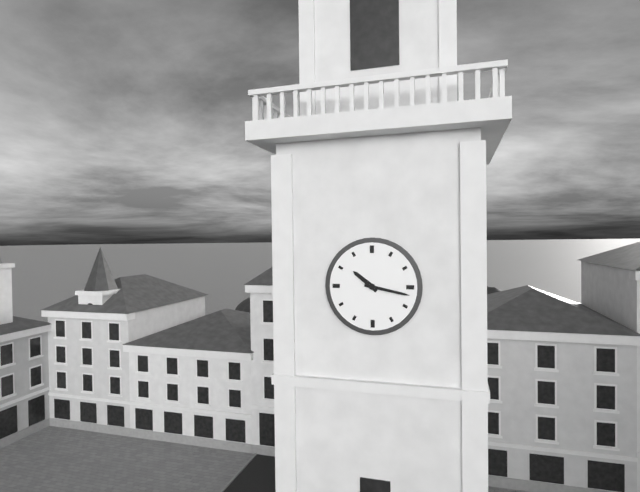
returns 10,17
